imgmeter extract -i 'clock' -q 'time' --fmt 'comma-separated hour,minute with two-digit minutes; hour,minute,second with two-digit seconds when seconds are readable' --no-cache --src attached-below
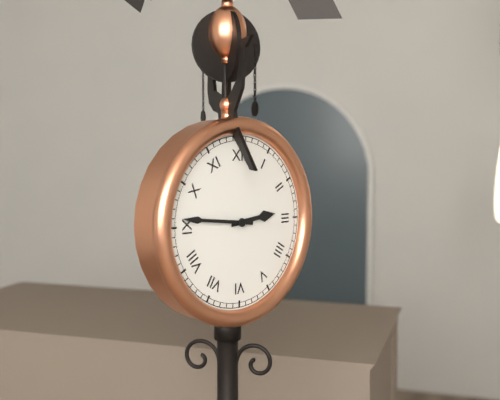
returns 2,46
